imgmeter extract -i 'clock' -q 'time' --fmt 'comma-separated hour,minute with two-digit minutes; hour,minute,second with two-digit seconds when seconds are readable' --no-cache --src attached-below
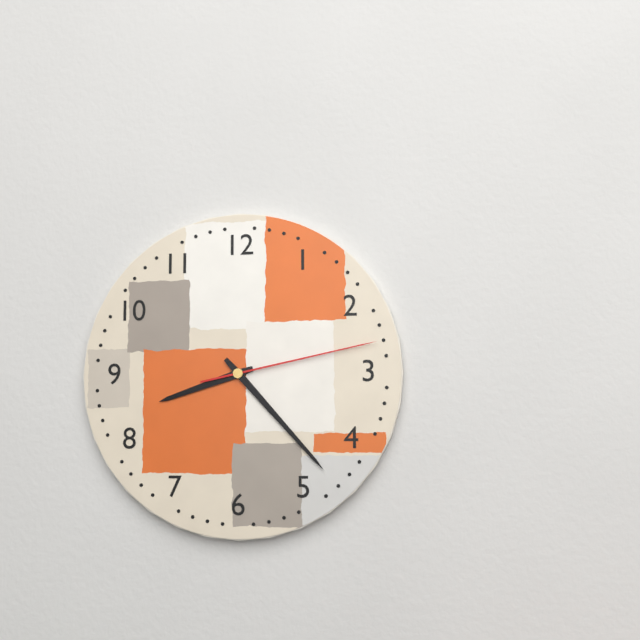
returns 8,23,13
